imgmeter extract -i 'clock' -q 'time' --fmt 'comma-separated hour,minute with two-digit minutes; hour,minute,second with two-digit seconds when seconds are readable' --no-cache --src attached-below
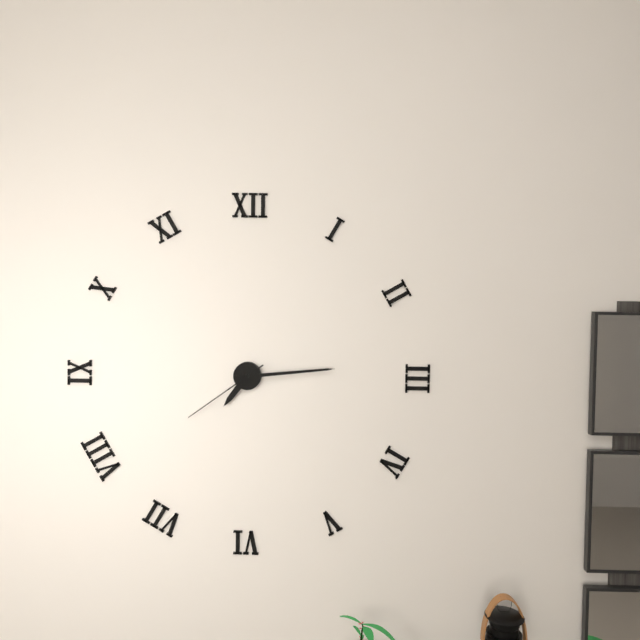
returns 7,14,39
